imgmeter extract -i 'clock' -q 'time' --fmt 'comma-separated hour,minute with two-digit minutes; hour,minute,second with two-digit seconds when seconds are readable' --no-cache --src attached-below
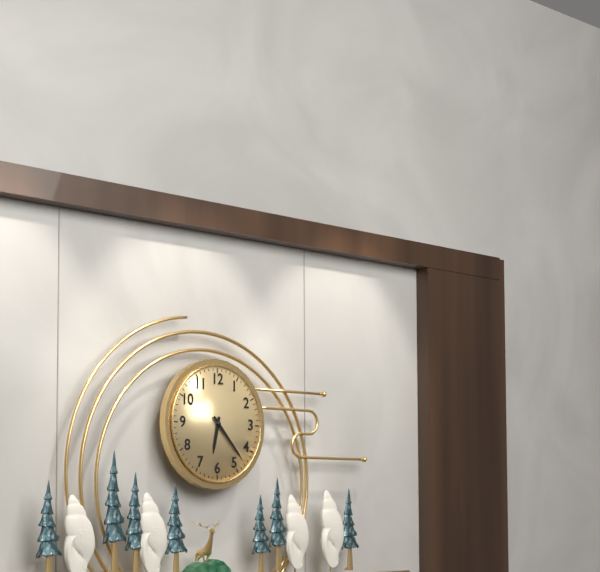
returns 6,23
